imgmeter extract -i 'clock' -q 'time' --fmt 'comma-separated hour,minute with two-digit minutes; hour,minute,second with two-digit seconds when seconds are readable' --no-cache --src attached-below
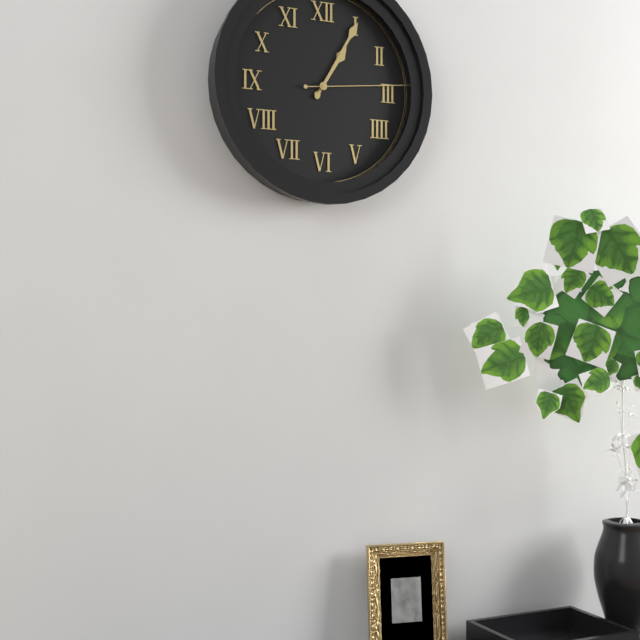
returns 1,05,14
